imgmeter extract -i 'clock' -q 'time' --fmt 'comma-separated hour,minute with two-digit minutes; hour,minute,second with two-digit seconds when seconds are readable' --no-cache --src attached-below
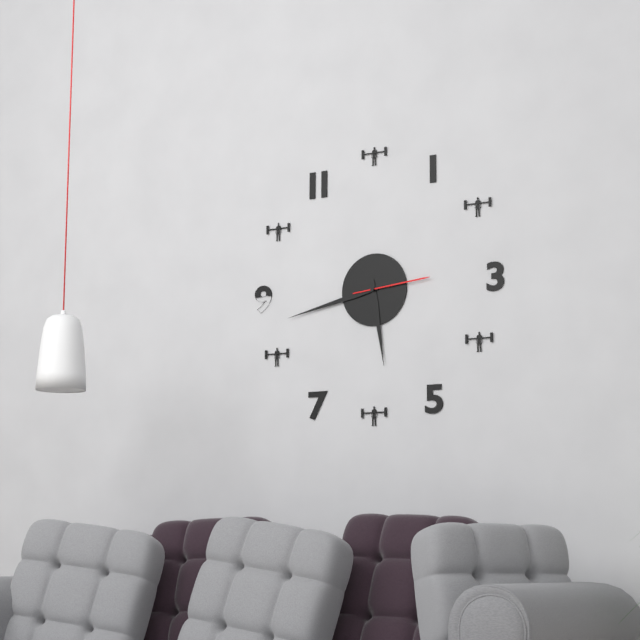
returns 5,43,14
